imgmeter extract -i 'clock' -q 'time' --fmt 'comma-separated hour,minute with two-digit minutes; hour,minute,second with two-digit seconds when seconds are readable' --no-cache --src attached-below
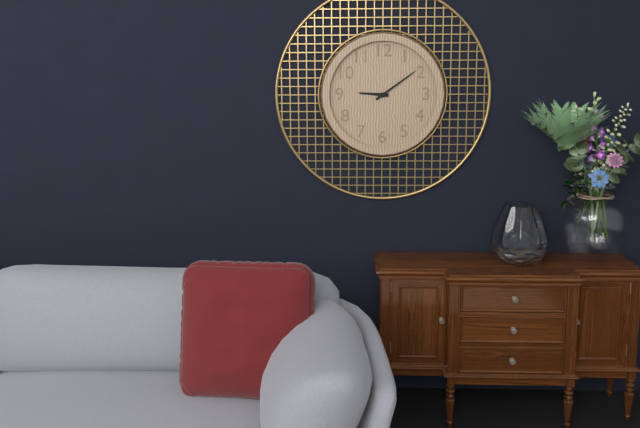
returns 9,09
